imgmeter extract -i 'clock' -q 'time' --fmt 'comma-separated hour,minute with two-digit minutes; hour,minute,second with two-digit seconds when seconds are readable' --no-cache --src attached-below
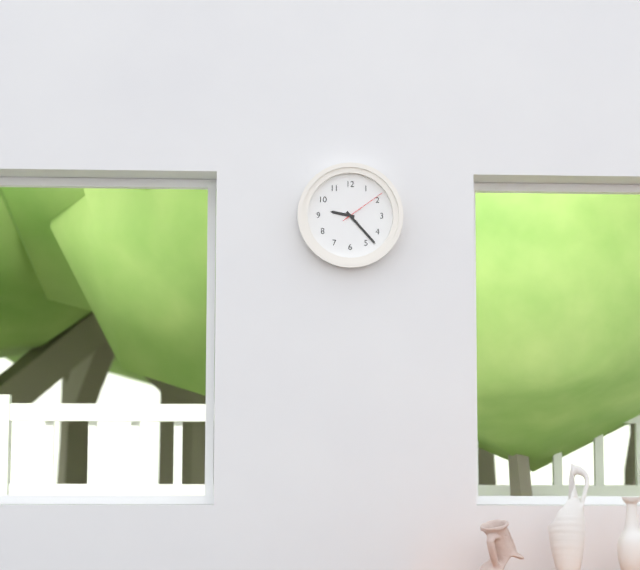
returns 9,23
